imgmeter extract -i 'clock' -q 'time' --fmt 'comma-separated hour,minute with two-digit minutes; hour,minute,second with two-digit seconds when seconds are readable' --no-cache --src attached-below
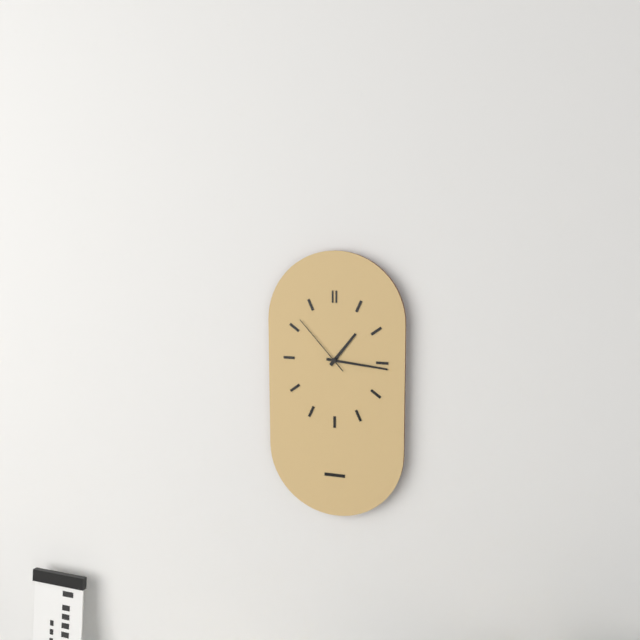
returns 1,16,53
